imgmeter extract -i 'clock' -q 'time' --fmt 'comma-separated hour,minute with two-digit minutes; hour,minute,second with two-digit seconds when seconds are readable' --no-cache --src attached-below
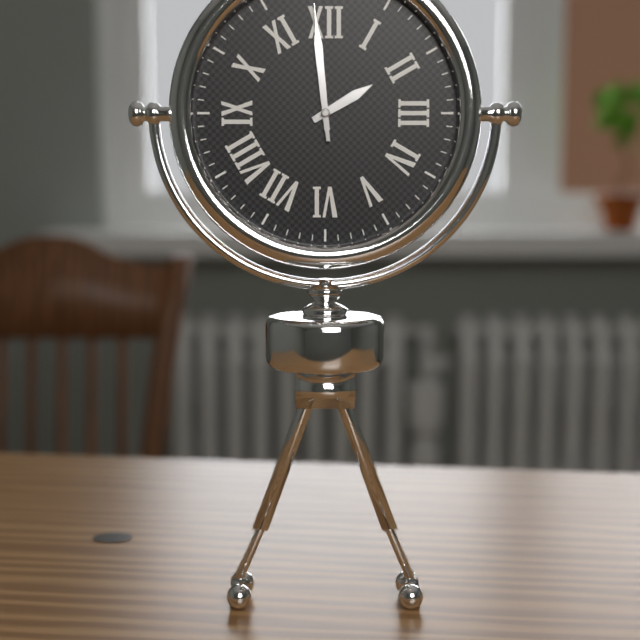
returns 1,59,59
